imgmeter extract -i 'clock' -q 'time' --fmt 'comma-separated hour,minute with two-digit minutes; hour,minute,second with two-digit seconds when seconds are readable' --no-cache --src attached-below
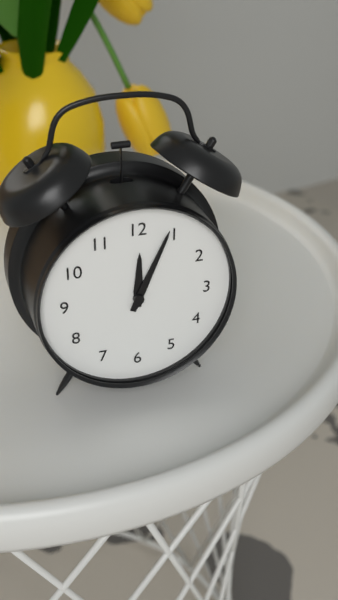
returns 12,04
